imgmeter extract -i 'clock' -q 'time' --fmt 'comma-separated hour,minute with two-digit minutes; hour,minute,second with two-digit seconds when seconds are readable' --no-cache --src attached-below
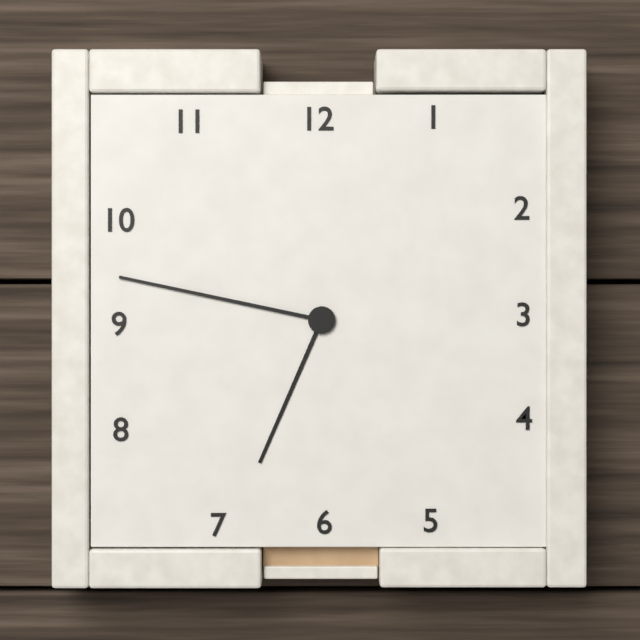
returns 6,47
